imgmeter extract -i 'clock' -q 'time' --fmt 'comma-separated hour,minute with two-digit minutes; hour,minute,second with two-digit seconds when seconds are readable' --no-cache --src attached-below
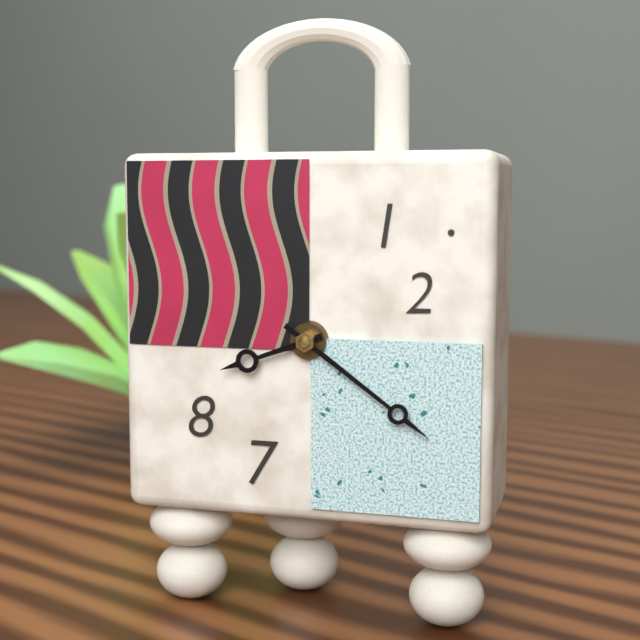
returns 8,21
